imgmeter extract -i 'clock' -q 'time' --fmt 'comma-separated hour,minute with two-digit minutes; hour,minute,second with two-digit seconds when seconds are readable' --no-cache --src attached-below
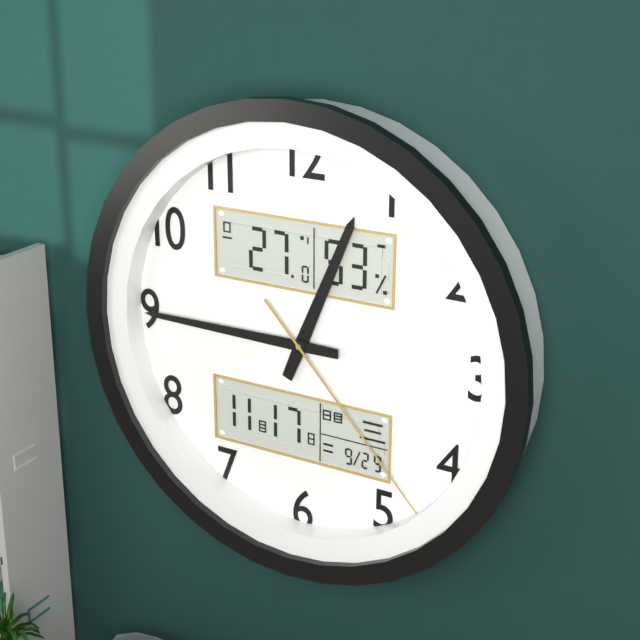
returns 12,45,23
